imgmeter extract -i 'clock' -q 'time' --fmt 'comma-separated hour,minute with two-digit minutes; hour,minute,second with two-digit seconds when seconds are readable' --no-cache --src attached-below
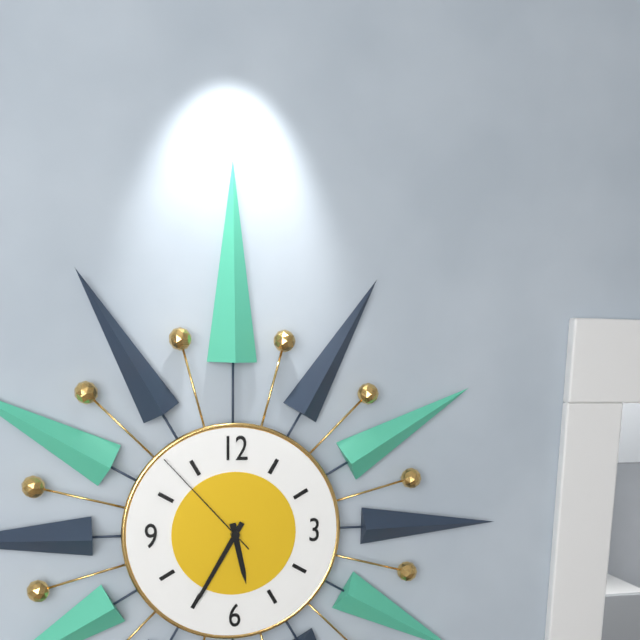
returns 5,35,53
